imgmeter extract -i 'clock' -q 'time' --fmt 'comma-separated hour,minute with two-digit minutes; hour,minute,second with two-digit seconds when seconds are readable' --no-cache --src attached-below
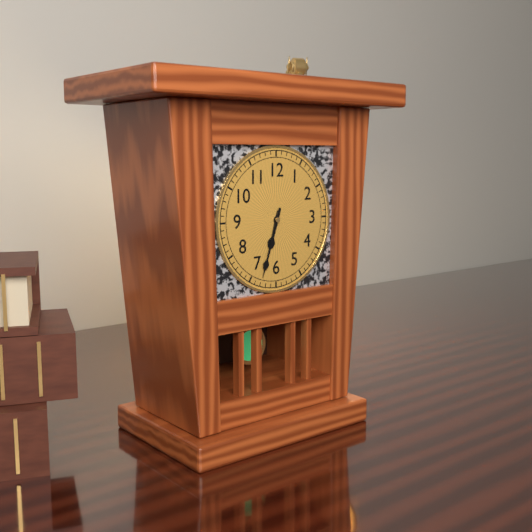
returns 6,33
